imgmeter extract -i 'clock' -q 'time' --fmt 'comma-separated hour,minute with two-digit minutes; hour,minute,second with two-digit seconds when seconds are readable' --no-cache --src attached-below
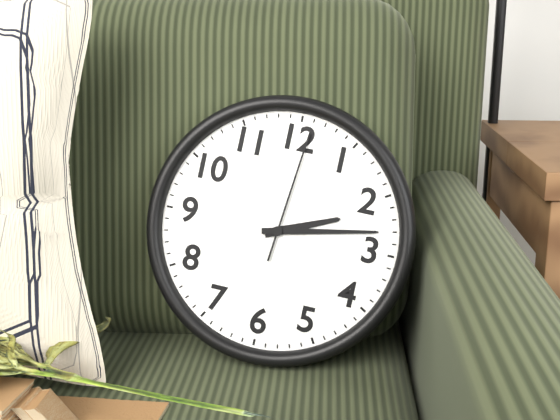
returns 2,13,01
